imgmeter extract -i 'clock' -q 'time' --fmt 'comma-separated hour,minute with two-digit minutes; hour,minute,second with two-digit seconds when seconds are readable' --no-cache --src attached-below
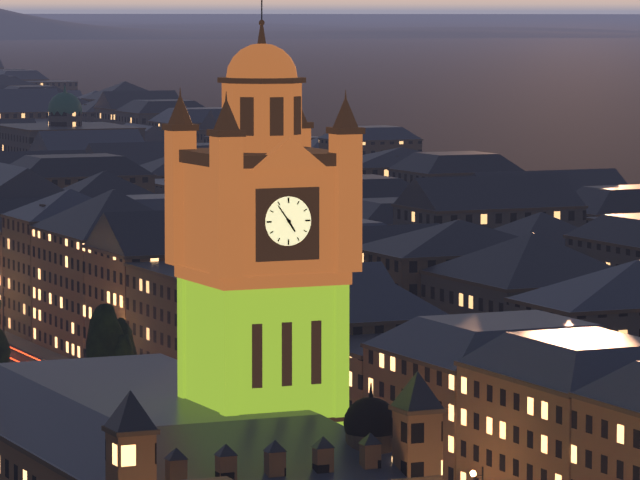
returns 4,54
